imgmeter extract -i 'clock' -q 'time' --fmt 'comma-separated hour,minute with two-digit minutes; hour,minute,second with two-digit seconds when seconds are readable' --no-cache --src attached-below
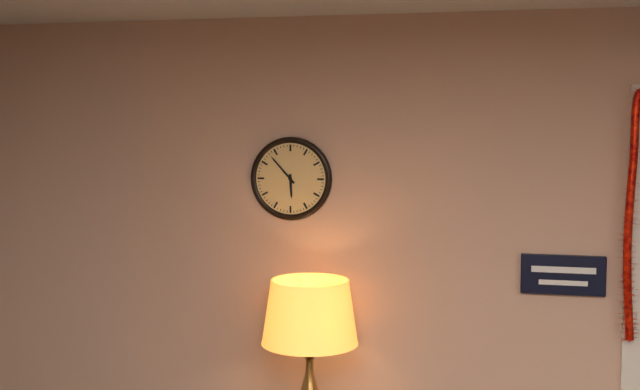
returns 5,53
